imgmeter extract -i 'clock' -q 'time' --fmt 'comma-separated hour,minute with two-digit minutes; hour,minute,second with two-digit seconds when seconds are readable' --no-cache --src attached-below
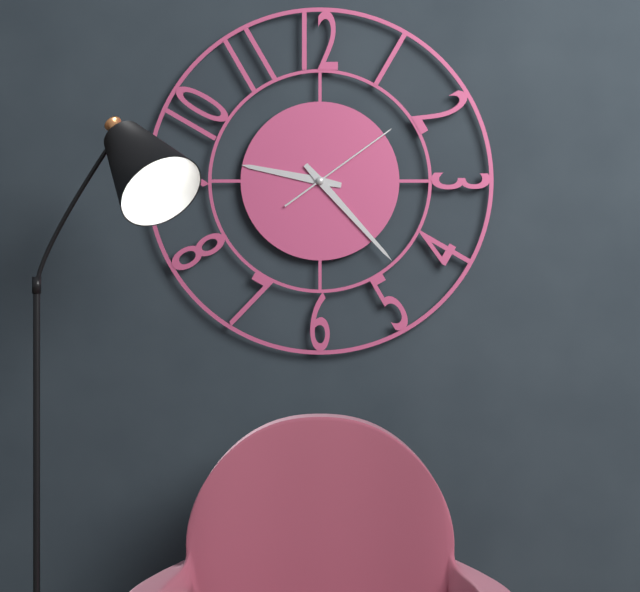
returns 9,23,09
